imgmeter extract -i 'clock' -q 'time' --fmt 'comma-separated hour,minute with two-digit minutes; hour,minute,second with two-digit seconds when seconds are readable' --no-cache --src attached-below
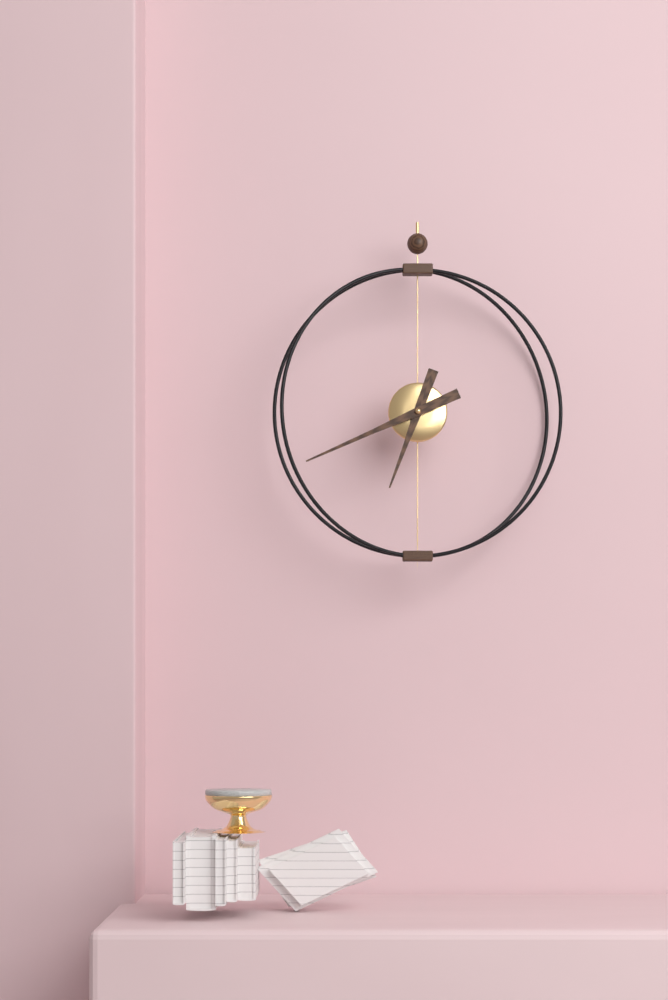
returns 6,41
